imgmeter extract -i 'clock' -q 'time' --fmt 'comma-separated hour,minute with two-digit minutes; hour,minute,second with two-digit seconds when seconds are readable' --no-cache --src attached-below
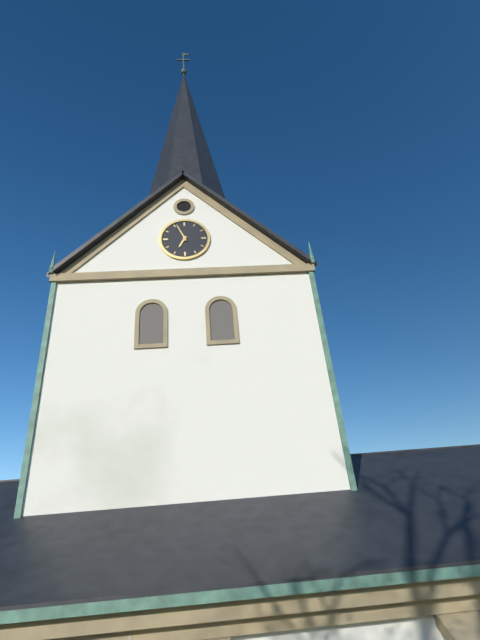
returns 6,56
